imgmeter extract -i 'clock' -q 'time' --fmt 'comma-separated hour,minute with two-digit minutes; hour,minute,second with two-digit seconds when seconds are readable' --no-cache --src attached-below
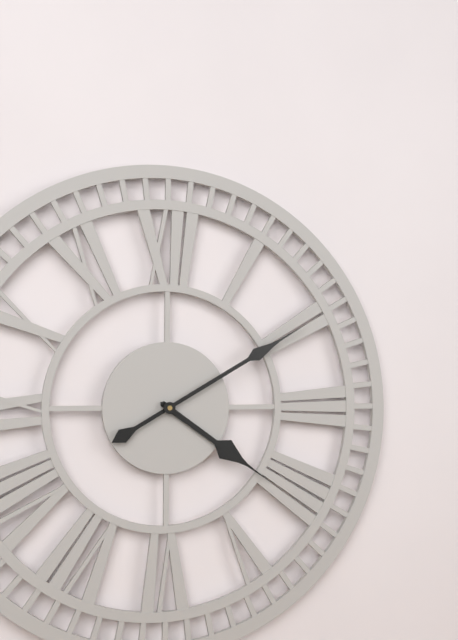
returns 4,10
